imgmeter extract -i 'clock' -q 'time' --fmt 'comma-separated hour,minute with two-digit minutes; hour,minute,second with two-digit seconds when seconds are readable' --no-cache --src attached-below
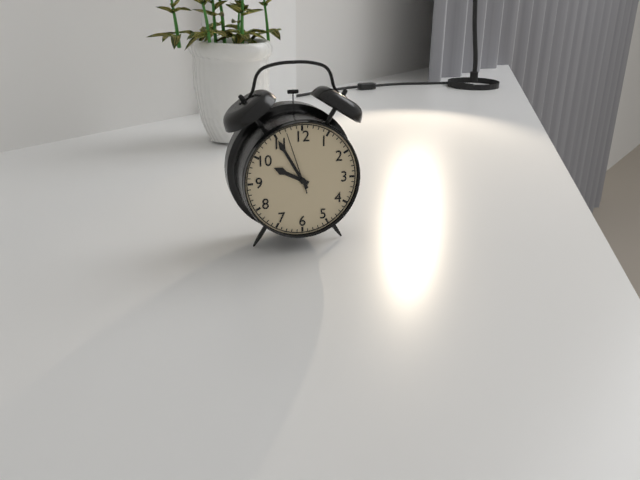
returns 9,55,57
